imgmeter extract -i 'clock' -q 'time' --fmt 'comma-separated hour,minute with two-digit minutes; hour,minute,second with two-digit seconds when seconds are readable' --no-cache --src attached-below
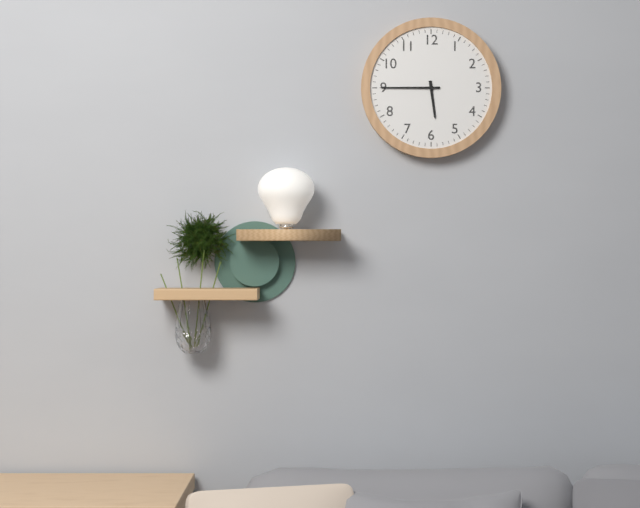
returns 5,45
